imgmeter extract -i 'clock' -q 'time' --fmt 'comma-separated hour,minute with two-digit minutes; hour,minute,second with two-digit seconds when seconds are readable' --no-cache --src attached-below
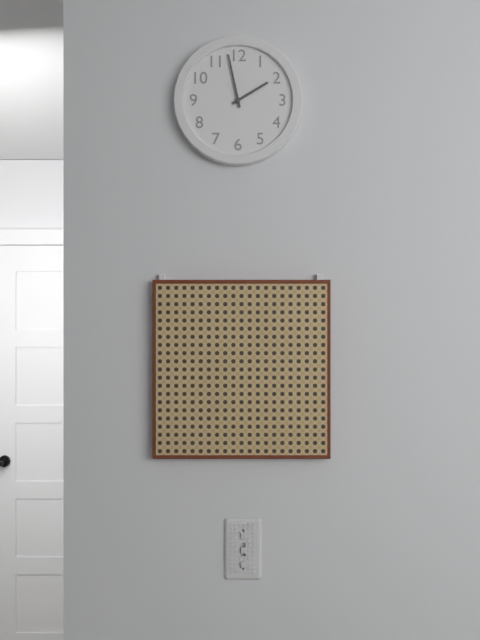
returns 1,58
